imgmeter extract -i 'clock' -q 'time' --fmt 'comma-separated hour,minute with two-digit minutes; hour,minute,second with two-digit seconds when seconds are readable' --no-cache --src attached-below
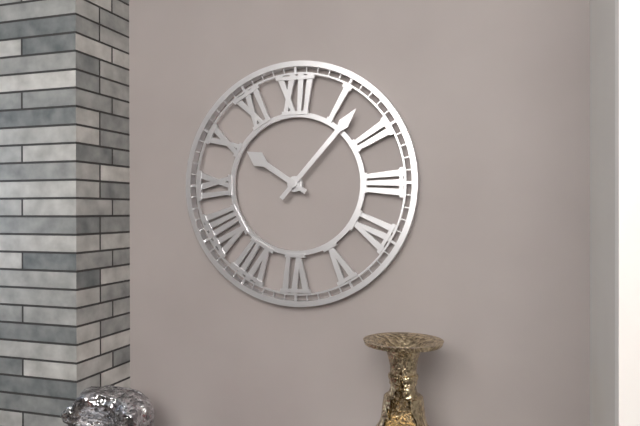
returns 10,07
